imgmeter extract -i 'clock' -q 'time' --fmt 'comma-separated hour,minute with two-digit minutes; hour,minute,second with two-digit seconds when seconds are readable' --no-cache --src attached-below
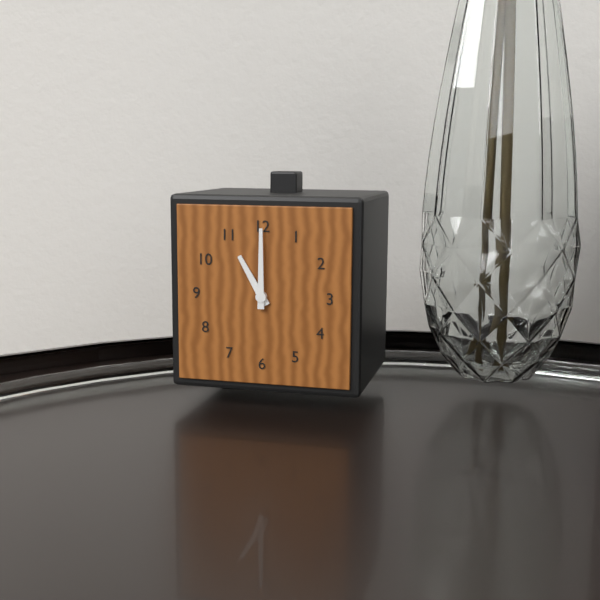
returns 11,00
